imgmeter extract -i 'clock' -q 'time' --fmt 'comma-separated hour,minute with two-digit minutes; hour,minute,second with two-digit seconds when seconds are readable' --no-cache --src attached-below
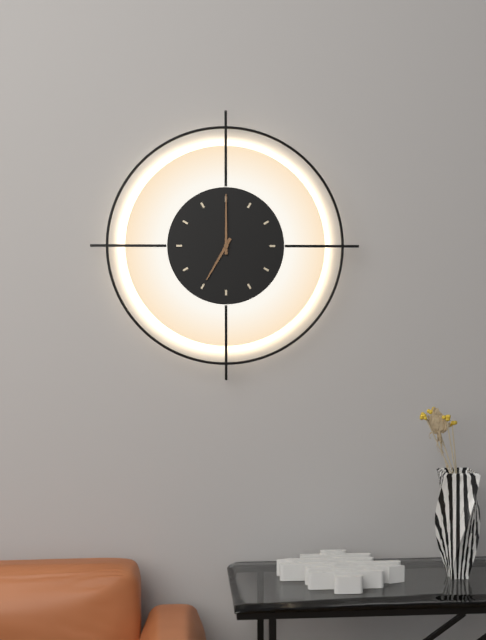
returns 7,00
